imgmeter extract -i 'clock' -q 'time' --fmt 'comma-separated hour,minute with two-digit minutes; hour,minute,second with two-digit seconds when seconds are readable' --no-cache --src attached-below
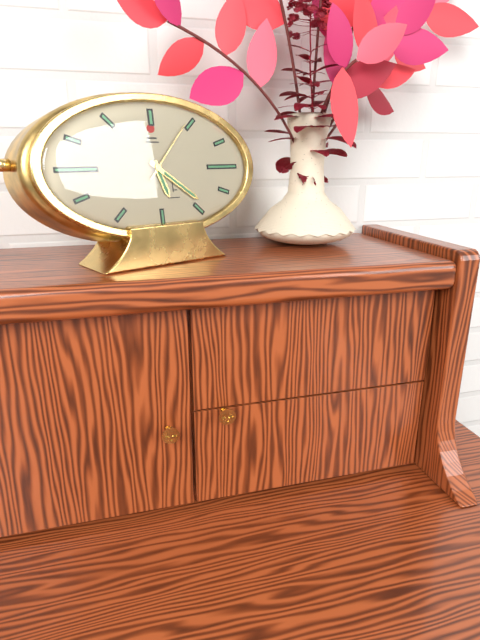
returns 5,21,07
